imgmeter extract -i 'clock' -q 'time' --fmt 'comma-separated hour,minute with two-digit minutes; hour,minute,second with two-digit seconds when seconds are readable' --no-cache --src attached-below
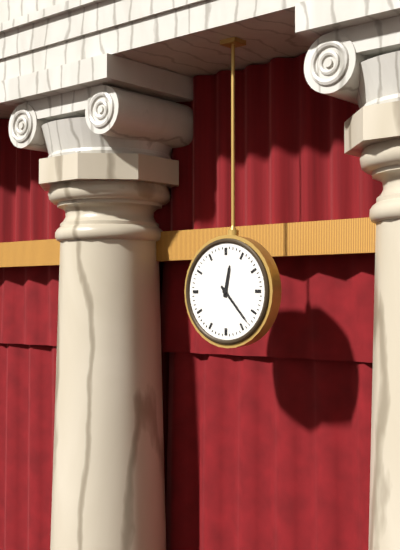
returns 12,23
